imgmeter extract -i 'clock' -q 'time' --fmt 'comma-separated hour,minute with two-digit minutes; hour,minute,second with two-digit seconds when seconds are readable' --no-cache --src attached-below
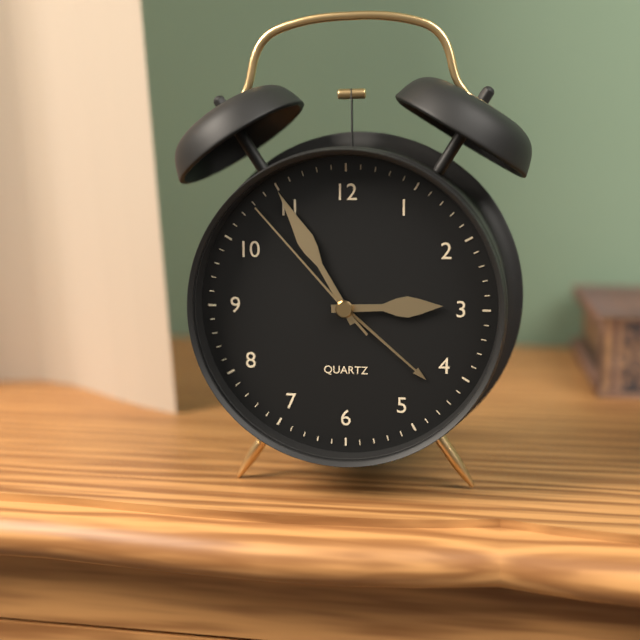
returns 2,55,53
